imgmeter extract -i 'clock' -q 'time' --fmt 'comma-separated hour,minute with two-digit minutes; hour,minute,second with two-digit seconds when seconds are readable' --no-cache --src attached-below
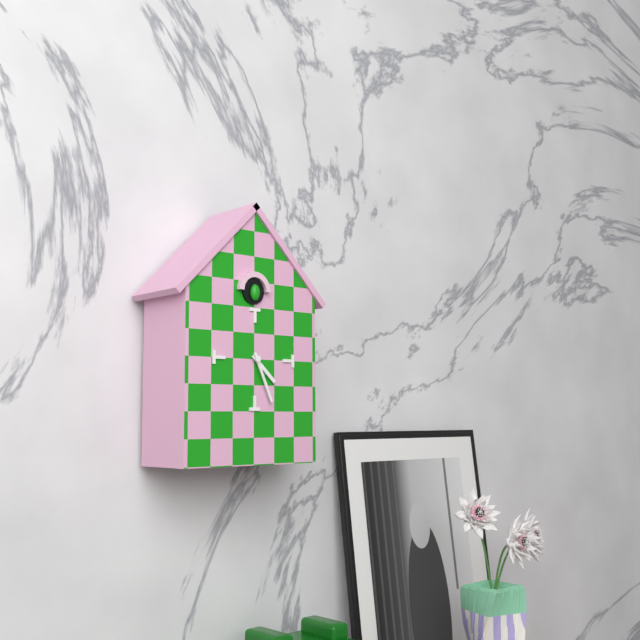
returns 4,26
